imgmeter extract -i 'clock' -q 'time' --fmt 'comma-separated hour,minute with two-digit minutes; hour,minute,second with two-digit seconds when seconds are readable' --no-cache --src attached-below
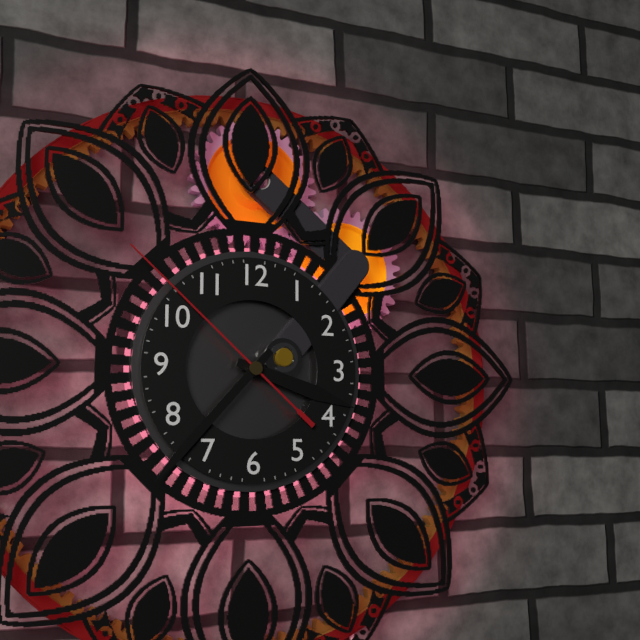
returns 3,37,52
